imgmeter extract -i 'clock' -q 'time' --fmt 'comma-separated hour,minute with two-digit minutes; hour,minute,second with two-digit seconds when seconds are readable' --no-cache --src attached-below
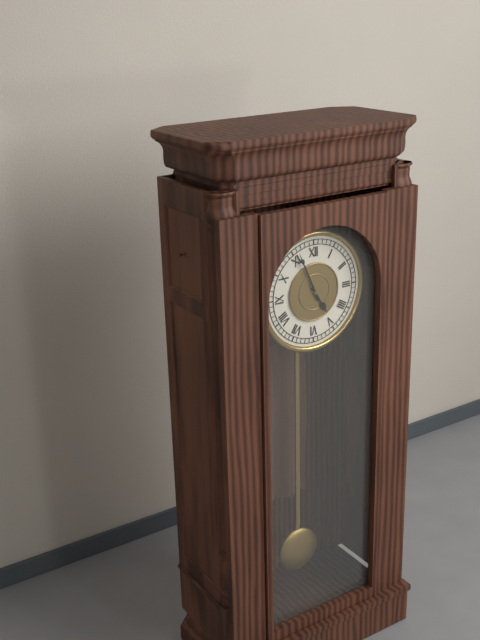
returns 4,56
